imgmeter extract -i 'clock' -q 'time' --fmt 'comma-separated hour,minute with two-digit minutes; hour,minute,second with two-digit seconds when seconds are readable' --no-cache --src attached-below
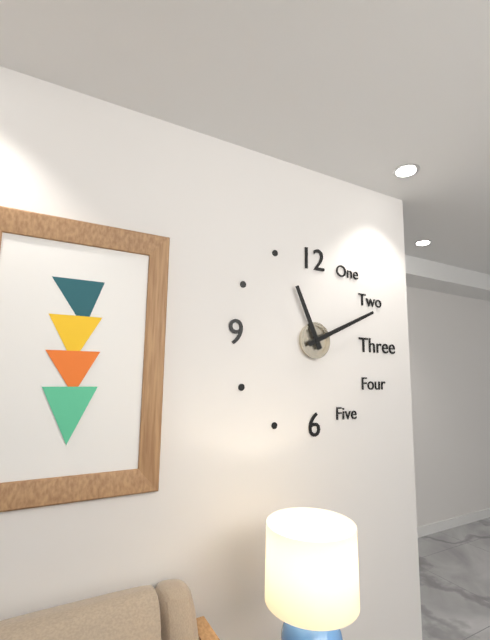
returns 11,11
